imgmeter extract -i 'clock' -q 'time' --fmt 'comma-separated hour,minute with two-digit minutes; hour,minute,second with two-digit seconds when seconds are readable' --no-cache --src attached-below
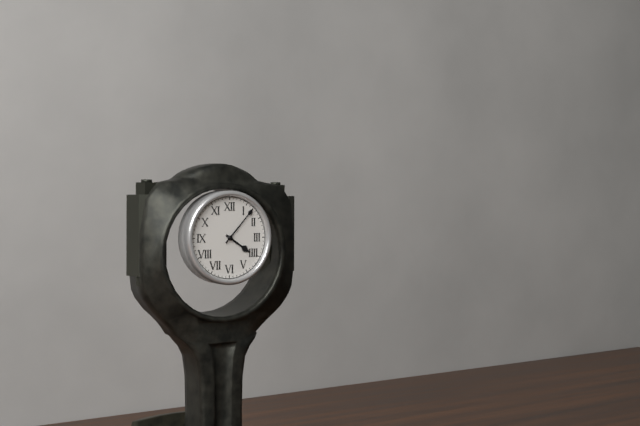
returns 4,07
